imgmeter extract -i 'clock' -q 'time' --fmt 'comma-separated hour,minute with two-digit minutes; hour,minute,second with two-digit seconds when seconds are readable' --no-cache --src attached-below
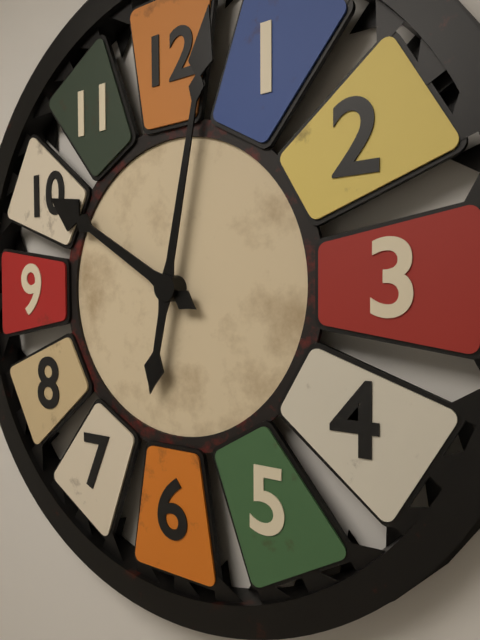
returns 10,02
